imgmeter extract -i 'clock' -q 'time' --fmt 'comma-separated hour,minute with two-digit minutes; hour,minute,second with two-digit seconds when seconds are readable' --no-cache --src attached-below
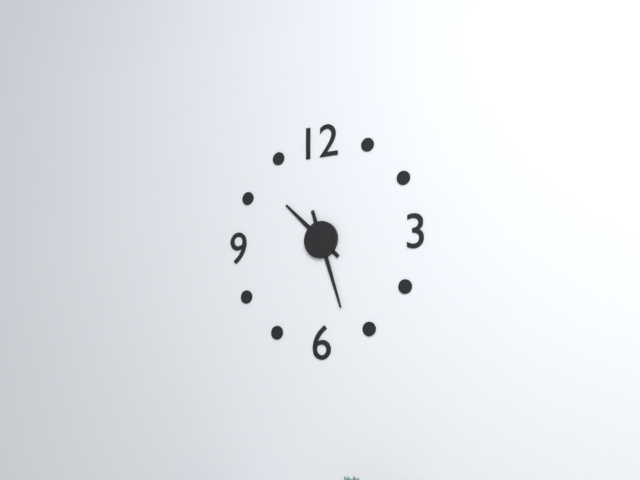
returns 10,27
